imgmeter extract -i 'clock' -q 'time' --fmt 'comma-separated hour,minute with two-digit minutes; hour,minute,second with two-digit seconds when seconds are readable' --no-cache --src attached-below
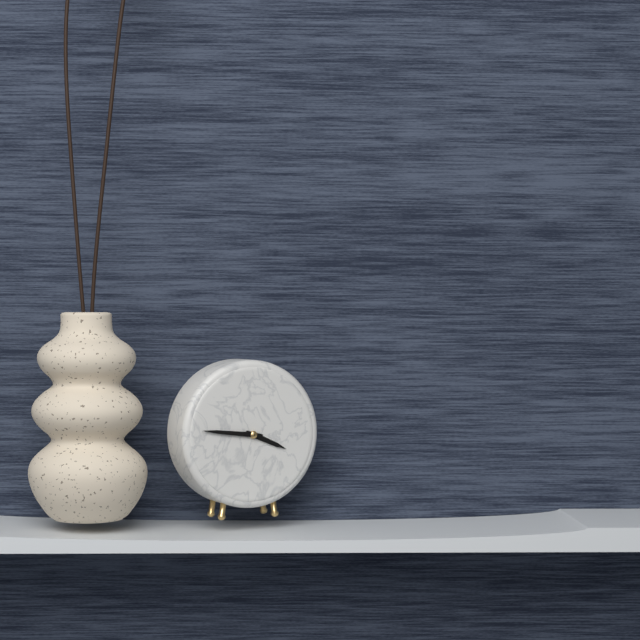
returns 3,46
